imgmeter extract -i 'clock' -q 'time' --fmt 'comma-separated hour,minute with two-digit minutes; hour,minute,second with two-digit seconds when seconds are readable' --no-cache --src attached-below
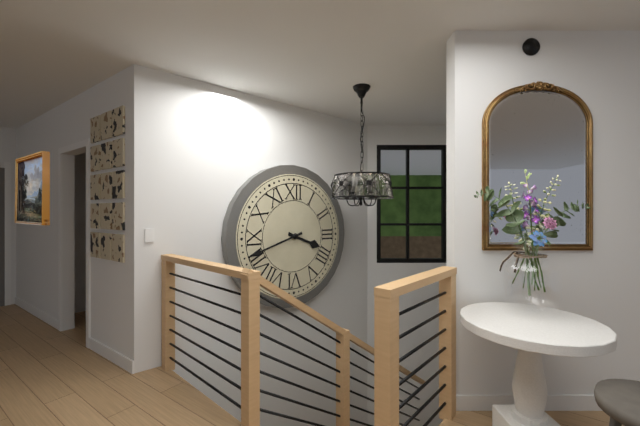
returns 3,42
